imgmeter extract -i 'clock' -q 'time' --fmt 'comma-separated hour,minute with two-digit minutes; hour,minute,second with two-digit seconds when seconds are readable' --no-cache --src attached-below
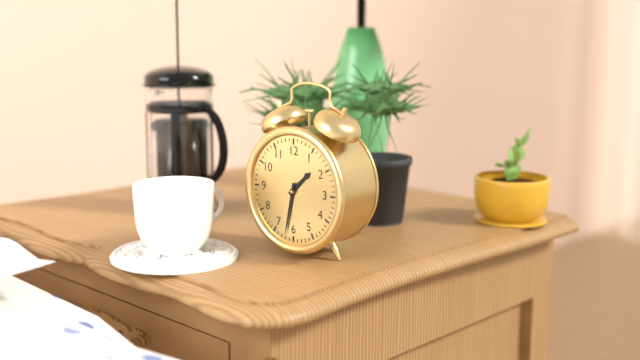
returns 1,32
